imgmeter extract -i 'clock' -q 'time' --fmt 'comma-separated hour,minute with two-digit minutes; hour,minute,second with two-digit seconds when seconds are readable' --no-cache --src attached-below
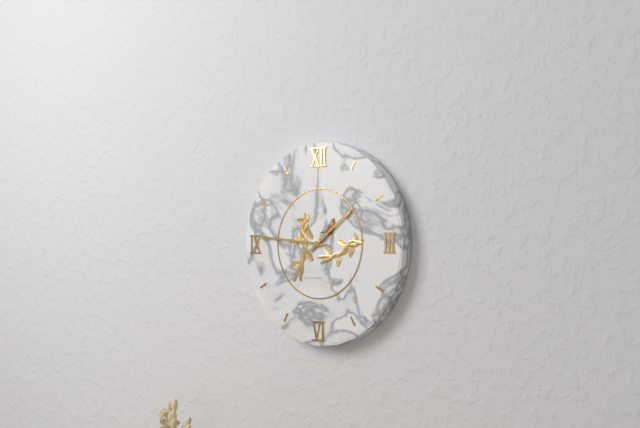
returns 1,46
